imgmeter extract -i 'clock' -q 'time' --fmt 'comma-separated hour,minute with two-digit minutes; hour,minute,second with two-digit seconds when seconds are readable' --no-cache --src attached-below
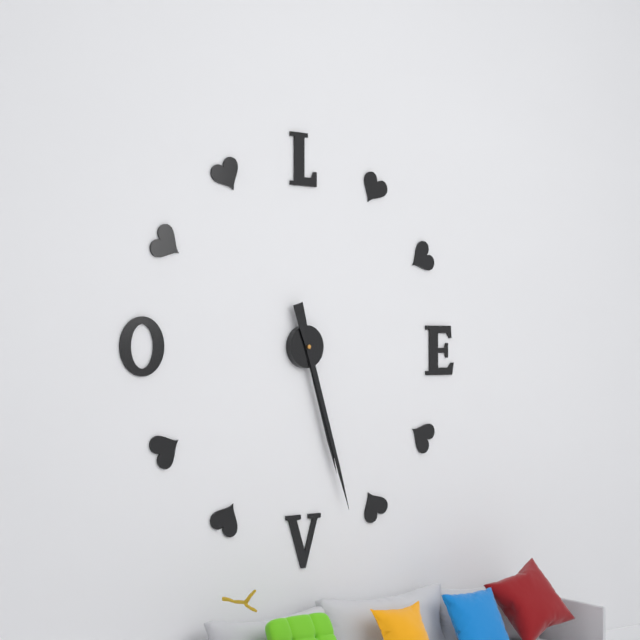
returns 5,27
